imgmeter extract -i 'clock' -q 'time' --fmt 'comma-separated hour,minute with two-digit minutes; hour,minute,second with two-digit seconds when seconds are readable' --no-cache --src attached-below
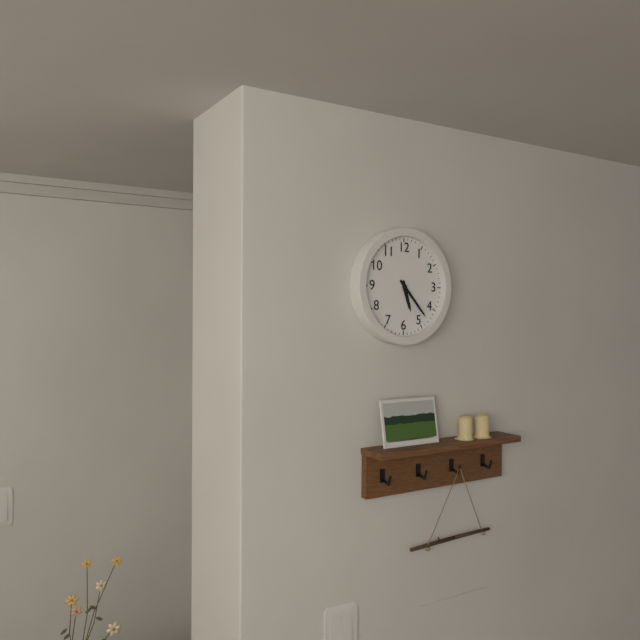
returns 5,23
